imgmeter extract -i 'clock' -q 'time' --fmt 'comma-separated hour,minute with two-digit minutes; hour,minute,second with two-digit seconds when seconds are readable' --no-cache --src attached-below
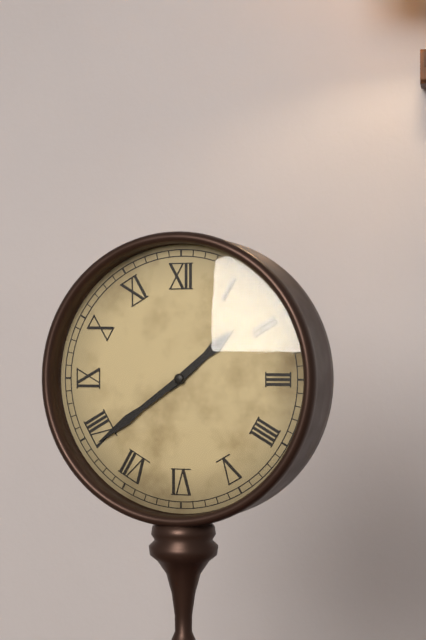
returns 1,39
